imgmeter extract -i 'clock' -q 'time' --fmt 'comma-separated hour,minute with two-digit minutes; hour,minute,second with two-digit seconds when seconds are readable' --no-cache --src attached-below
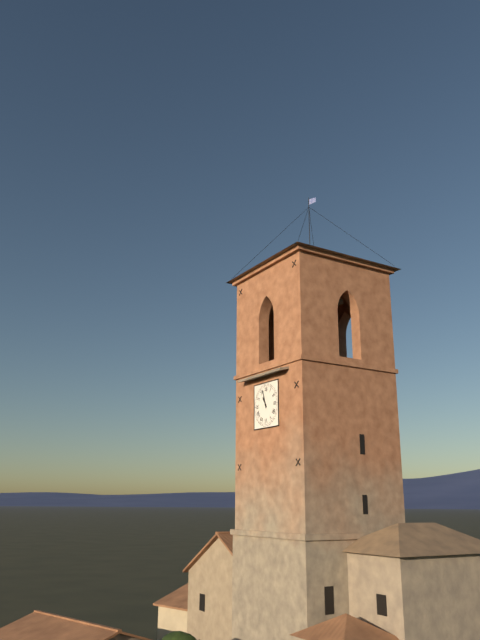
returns 10,57
